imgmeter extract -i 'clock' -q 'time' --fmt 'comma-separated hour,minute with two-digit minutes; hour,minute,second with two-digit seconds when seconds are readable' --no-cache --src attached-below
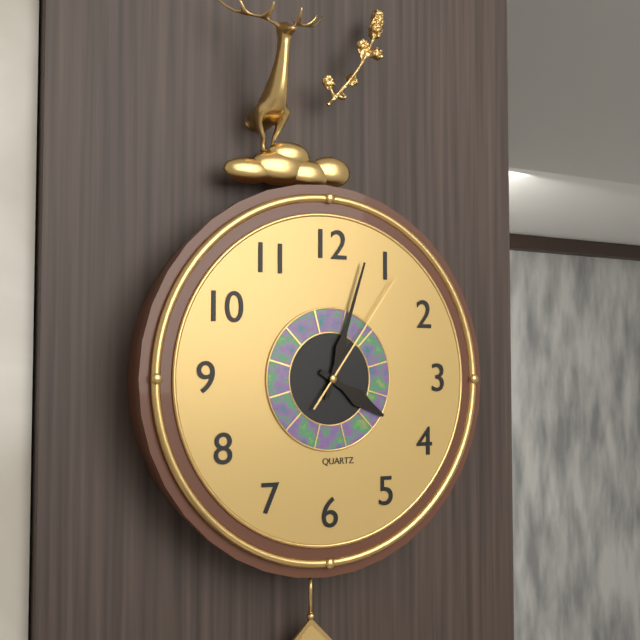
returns 4,03,06
